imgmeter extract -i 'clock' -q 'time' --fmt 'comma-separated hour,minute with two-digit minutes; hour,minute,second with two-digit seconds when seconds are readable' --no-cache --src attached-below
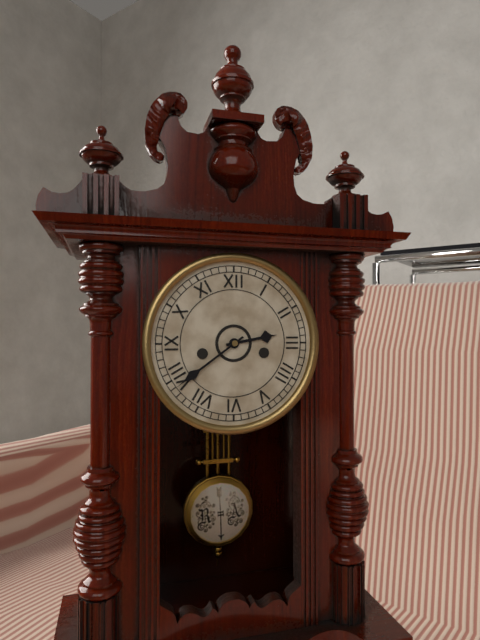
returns 2,39
